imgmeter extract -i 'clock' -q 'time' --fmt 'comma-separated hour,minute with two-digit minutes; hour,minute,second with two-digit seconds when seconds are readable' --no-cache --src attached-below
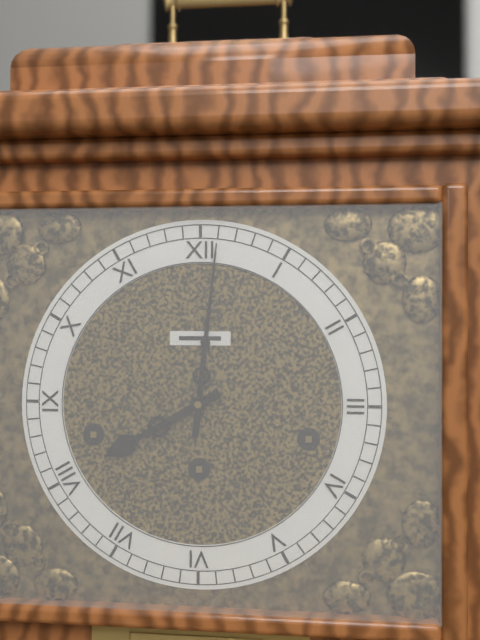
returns 8,01
